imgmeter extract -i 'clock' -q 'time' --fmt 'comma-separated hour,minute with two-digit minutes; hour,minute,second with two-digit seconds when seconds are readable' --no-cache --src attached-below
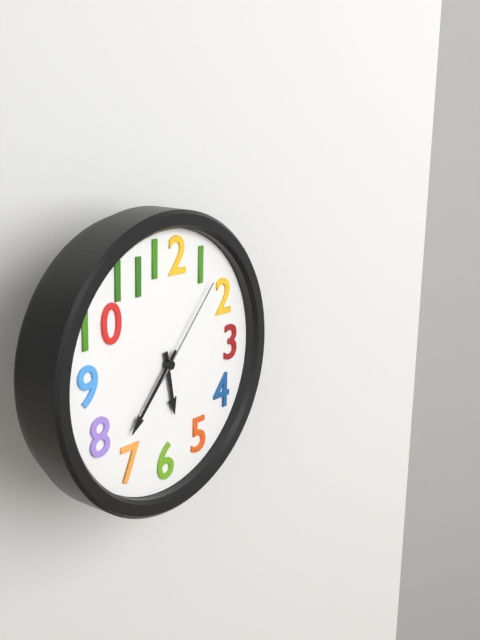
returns 5,37,07
